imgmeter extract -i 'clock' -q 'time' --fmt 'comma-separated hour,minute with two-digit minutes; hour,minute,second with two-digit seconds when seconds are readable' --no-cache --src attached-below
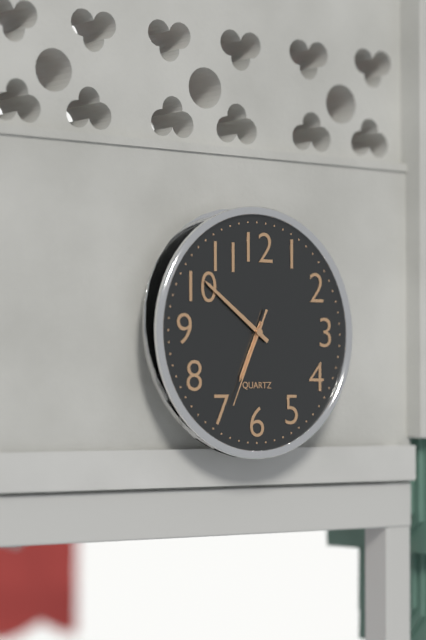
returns 6,51,34
